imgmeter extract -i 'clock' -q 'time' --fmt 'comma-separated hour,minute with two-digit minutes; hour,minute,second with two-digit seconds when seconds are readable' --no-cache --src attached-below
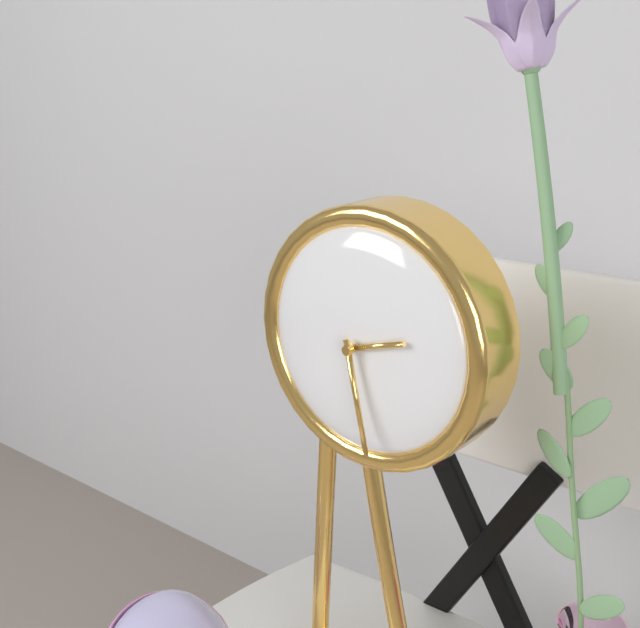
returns 2,28
